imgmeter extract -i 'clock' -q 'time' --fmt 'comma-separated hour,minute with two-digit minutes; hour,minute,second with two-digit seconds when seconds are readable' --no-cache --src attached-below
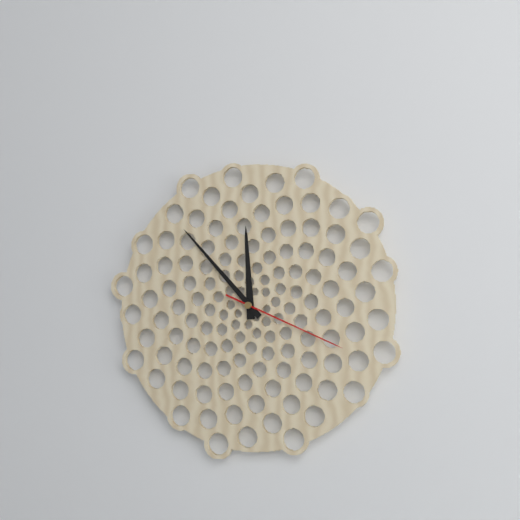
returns 11,53,19
